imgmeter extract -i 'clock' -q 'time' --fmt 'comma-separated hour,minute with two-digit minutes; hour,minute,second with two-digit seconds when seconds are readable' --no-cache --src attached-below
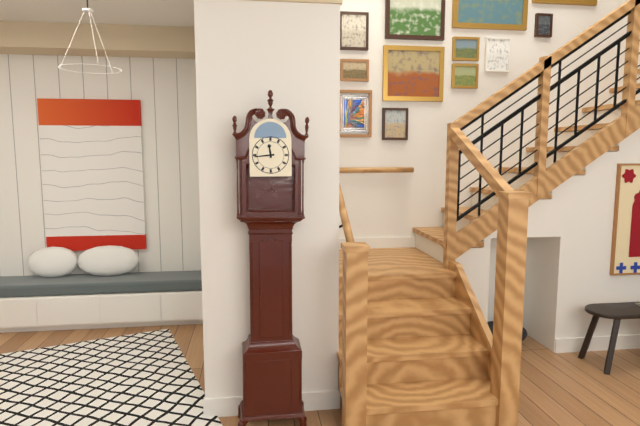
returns 11,44
